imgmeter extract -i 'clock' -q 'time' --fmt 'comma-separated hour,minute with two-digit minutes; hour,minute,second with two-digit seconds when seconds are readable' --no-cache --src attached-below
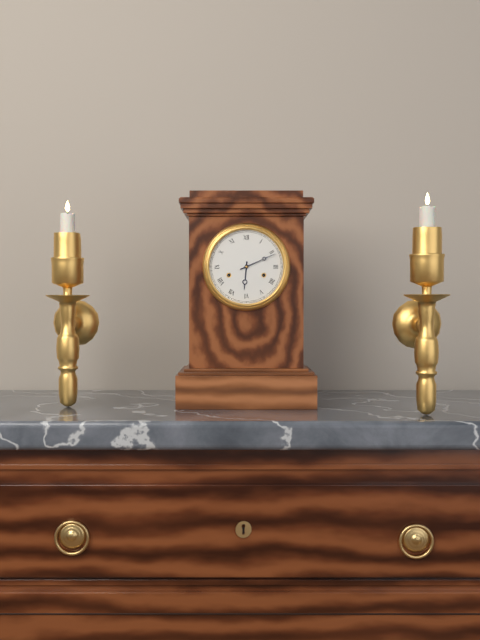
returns 6,11
